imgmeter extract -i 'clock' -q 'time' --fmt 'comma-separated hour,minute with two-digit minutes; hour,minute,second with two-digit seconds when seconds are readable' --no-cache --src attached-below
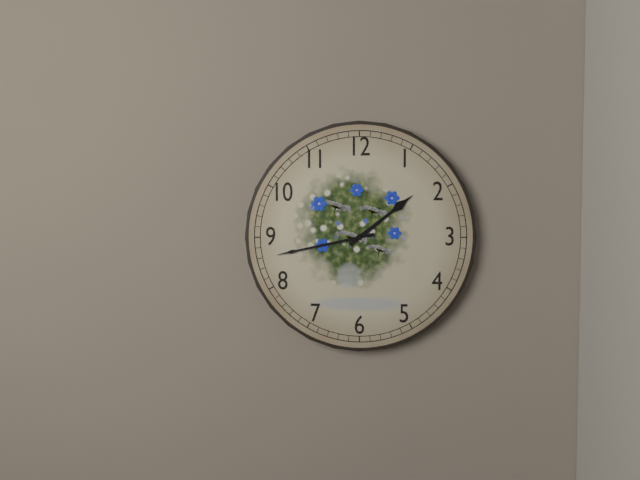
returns 1,43
